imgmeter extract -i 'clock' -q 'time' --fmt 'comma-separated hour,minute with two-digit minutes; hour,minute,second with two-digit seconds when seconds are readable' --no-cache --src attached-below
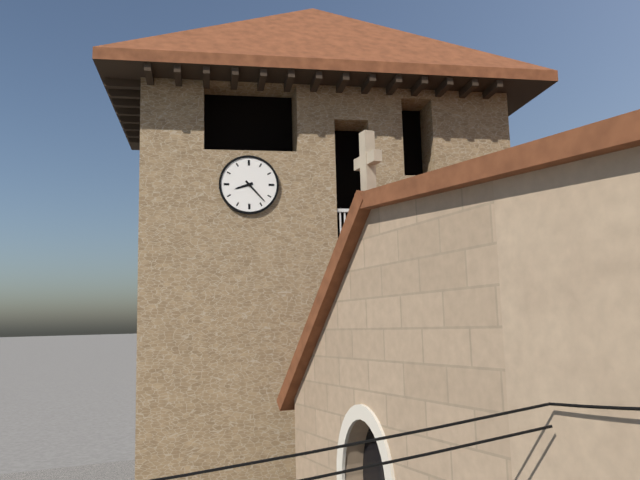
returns 8,23
